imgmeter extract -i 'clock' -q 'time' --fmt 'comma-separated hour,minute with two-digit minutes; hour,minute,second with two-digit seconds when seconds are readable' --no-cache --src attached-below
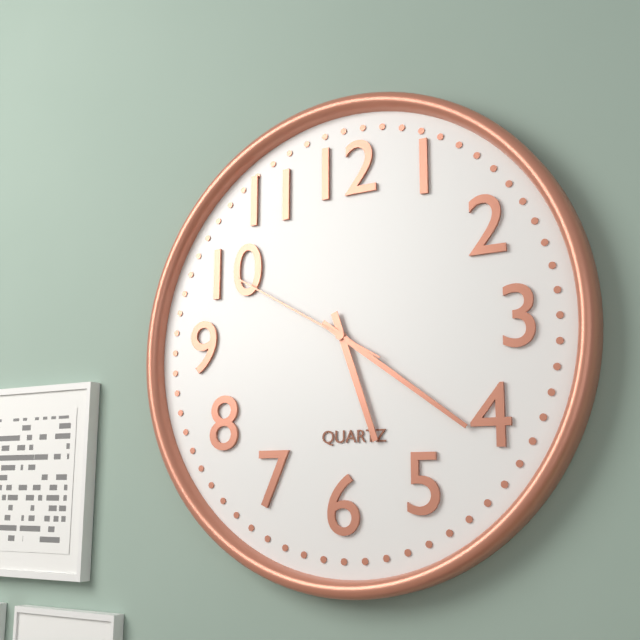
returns 5,21,50
